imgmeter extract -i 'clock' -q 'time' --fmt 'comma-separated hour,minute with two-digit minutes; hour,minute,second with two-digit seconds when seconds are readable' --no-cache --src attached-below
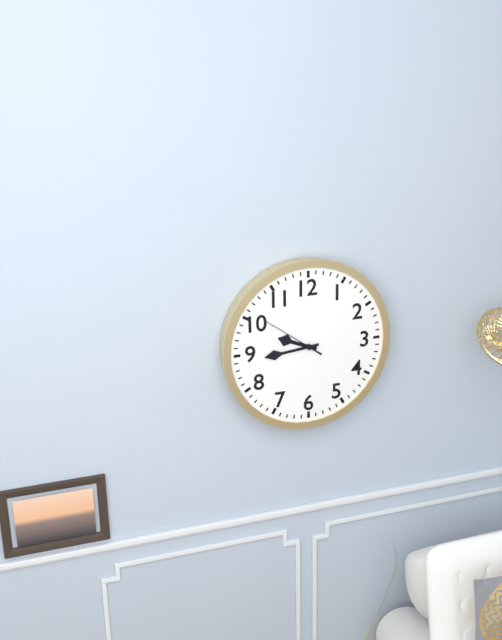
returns 9,44,51
